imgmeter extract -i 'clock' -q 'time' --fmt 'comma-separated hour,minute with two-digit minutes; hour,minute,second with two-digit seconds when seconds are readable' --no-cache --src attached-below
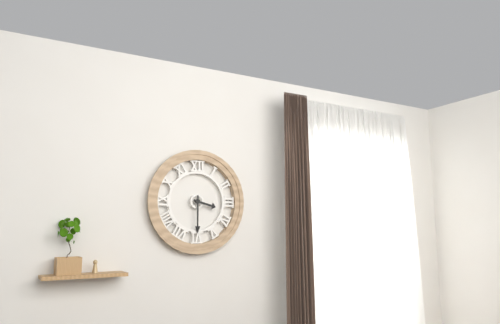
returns 3,30
